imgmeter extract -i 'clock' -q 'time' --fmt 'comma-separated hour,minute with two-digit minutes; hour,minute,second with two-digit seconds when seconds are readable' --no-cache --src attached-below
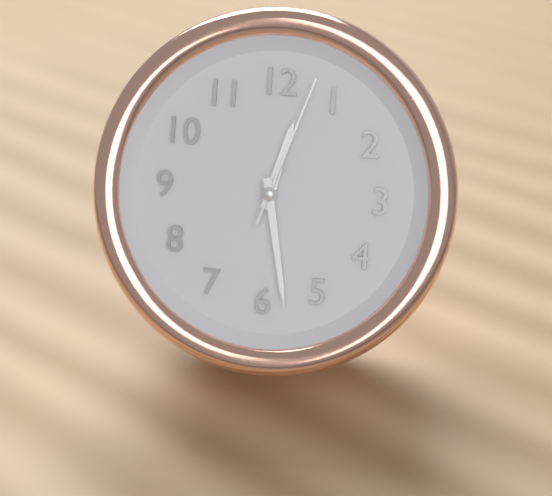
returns 12,28,03
